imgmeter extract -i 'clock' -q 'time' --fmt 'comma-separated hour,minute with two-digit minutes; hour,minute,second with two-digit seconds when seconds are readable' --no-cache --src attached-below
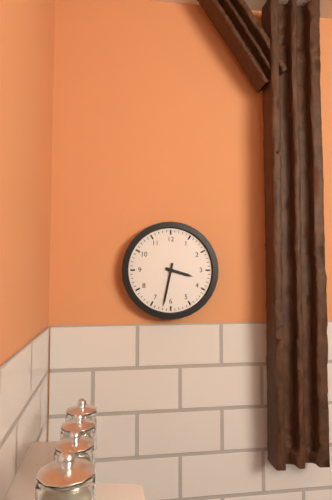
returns 3,32
